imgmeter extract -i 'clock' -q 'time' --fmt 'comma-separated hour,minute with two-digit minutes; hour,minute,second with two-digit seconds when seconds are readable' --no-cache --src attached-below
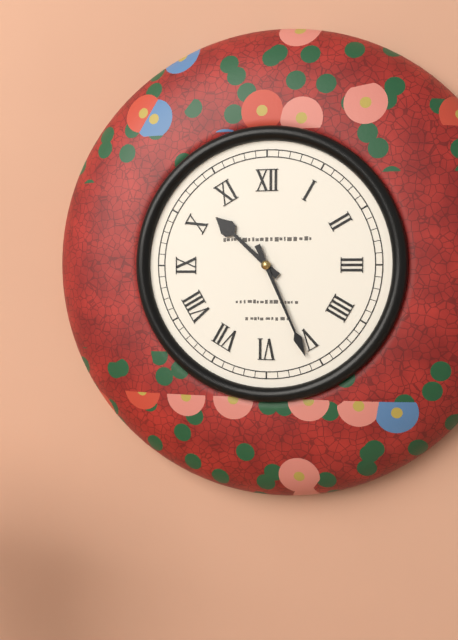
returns 10,26
